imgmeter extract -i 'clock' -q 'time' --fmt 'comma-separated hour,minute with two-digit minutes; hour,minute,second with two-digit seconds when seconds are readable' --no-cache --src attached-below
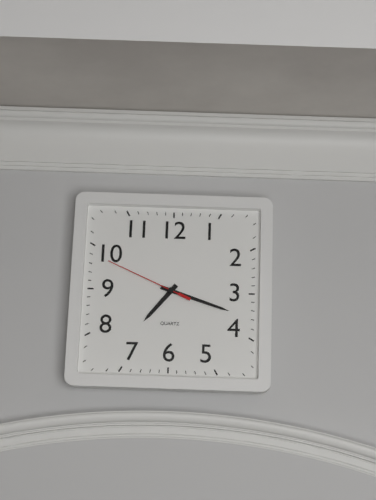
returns 7,18,49
